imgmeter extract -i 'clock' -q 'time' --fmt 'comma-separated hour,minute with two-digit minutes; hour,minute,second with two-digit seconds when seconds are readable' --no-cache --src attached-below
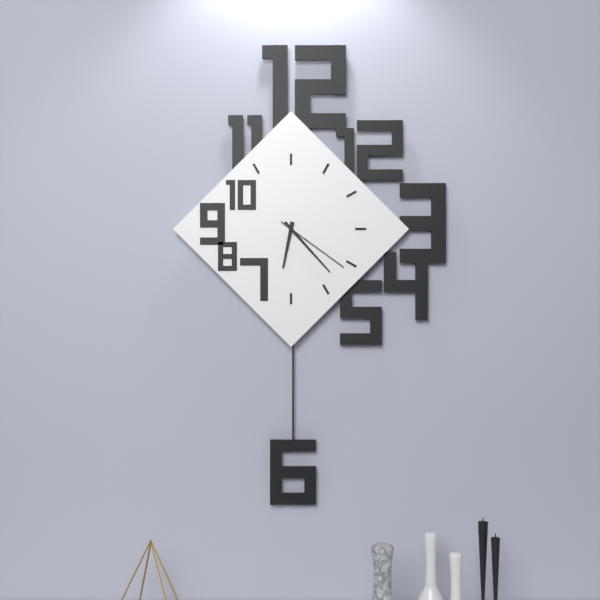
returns 6,23,21
